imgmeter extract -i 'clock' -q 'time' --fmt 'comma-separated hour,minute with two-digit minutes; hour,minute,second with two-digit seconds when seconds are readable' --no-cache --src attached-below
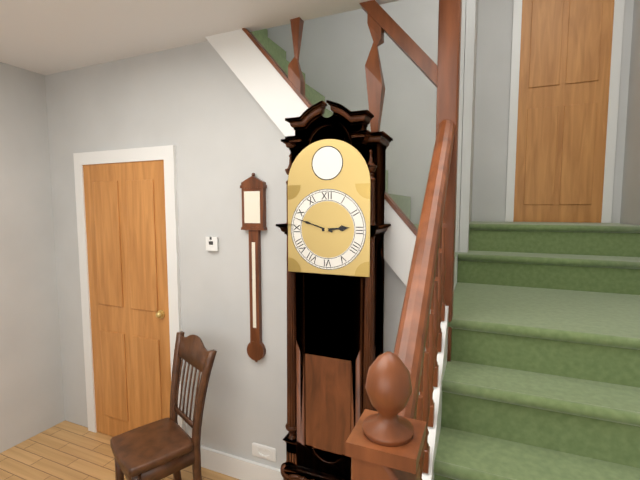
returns 2,48
